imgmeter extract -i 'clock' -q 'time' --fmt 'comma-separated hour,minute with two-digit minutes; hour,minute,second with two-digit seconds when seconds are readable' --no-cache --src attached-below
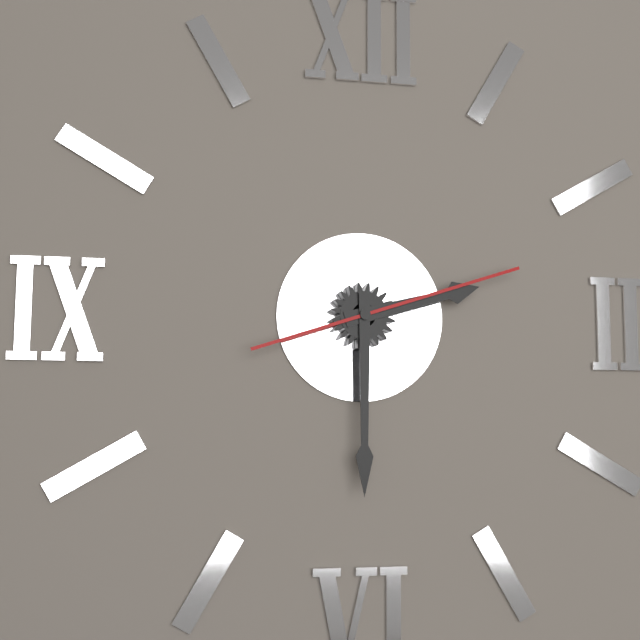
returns 2,30,12
